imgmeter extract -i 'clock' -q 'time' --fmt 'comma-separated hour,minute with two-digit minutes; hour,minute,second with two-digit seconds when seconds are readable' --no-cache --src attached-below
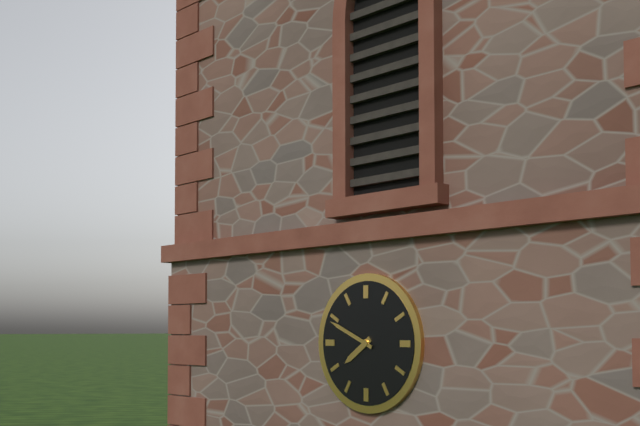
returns 7,49
